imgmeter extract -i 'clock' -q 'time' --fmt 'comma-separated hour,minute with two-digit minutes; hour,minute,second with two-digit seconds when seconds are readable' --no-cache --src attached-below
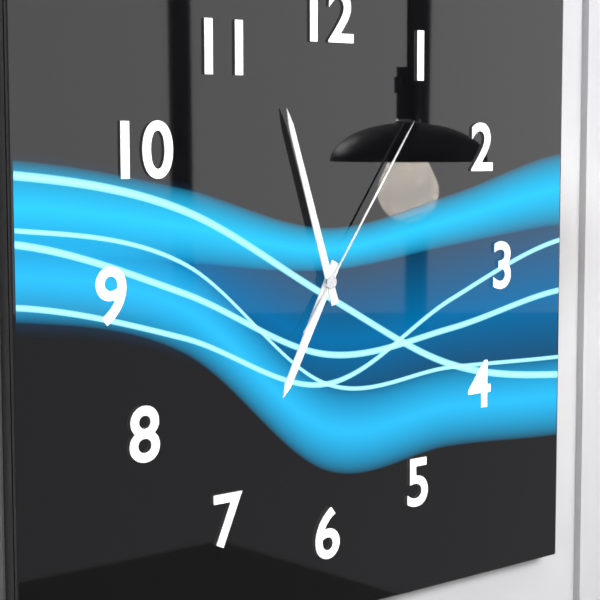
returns 6,57,06
